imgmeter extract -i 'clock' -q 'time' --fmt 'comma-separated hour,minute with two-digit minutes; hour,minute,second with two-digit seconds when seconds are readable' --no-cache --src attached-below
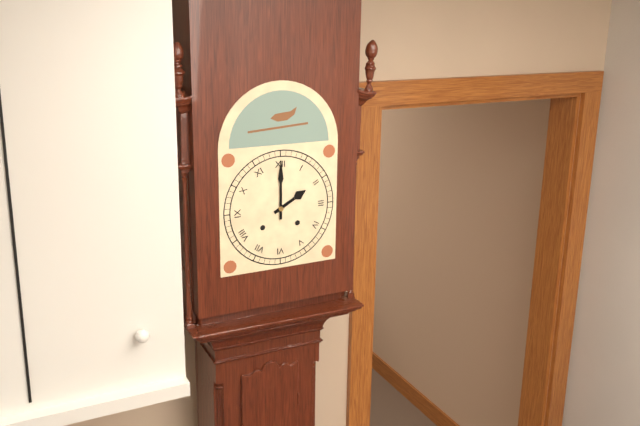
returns 2,00
